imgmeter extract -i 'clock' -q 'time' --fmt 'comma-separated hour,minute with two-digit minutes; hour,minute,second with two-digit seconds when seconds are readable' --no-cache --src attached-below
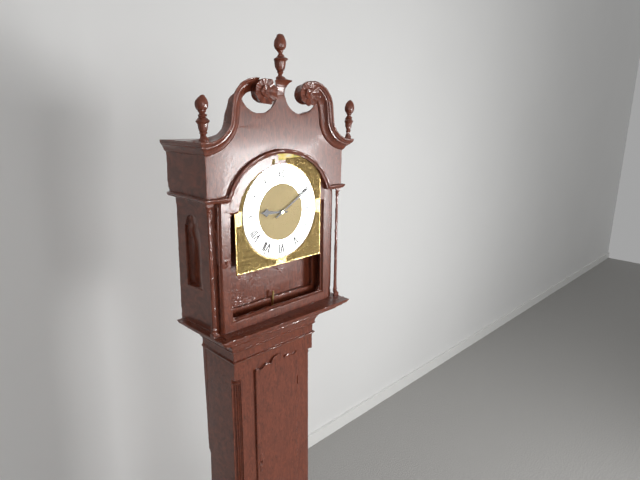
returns 9,10
